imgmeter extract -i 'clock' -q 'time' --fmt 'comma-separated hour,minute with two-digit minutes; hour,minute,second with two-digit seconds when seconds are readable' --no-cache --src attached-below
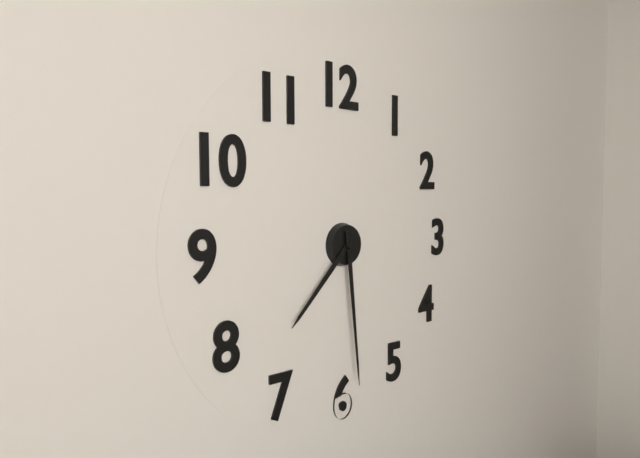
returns 7,29
